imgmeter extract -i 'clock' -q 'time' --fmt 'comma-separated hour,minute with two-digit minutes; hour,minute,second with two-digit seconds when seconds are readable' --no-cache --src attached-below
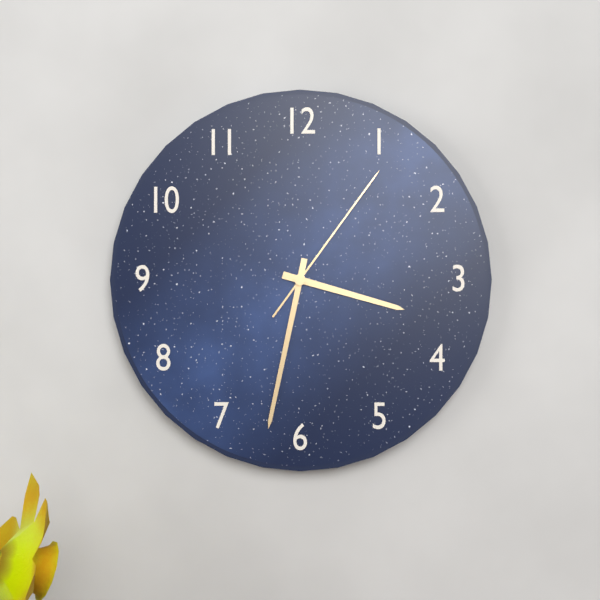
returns 3,32,06
